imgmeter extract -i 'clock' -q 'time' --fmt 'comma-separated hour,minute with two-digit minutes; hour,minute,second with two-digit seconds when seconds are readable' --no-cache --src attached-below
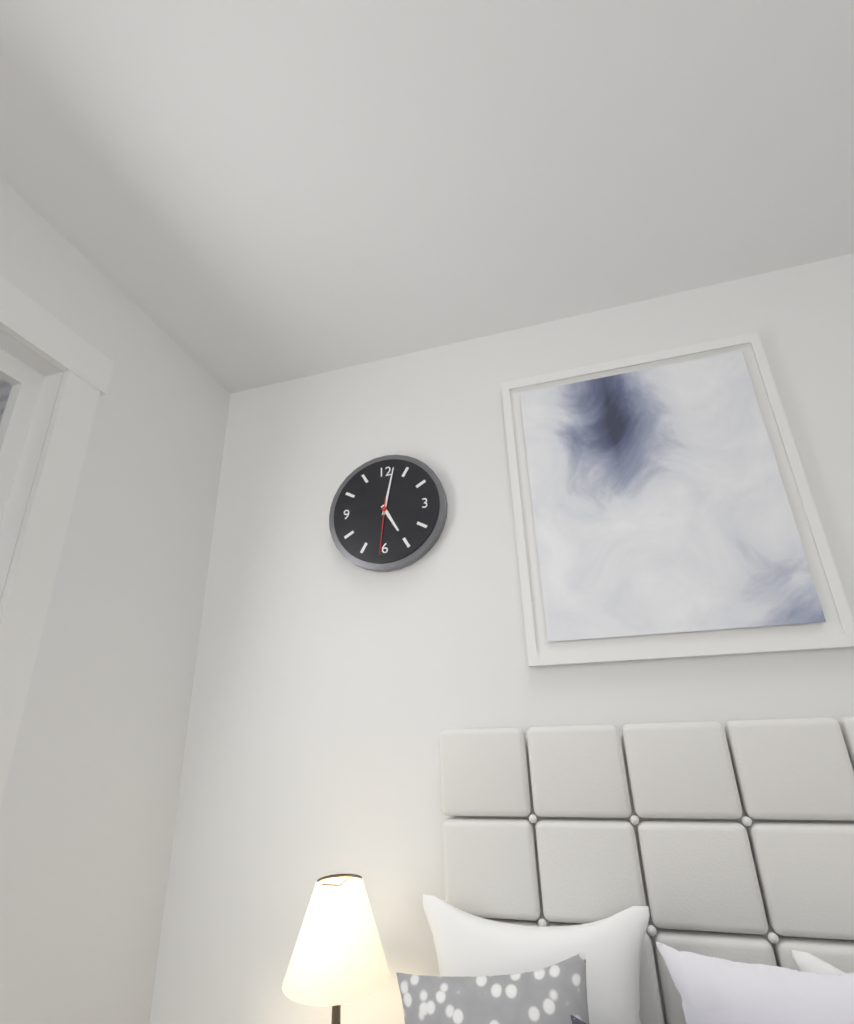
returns 5,02,31
